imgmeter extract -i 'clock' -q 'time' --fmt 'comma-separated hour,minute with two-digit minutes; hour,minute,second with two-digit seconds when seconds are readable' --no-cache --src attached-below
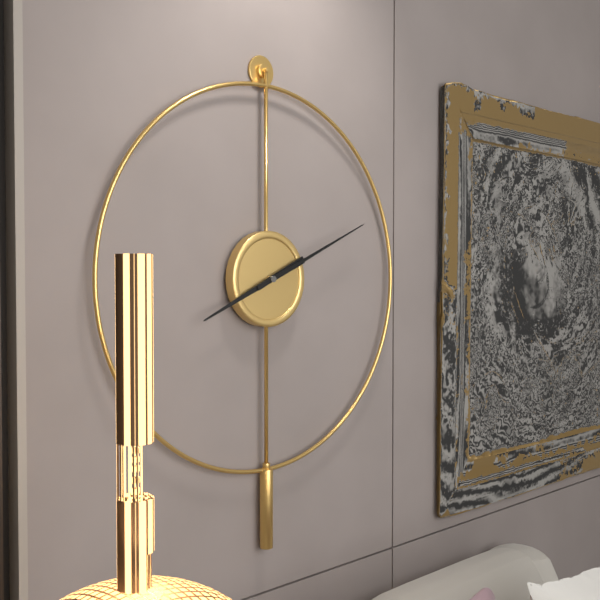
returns 8,11
